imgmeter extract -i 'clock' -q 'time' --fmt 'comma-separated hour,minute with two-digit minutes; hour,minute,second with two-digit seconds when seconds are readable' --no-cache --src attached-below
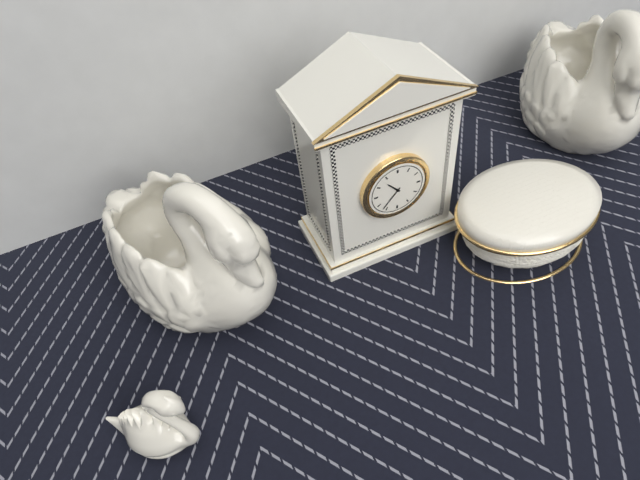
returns 10,37
